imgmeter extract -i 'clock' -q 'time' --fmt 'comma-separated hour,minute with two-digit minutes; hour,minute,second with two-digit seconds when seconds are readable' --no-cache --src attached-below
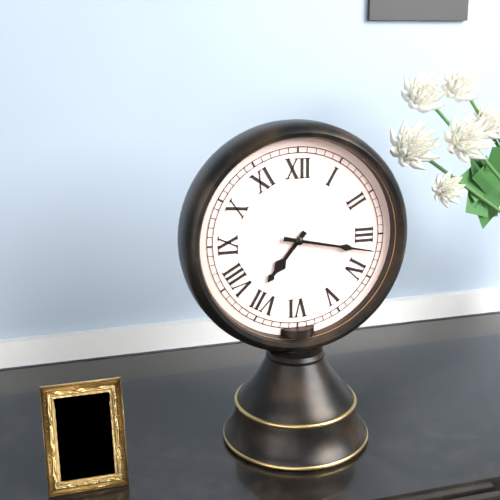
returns 7,17
